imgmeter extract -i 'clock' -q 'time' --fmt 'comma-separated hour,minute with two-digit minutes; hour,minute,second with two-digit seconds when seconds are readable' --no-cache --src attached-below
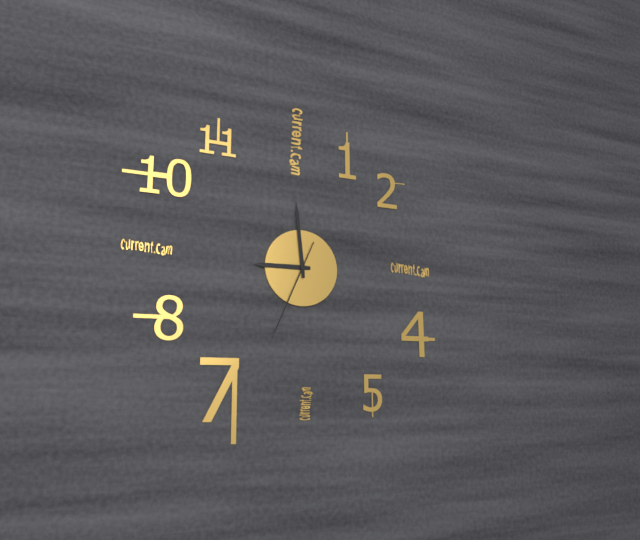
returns 8,59,34
